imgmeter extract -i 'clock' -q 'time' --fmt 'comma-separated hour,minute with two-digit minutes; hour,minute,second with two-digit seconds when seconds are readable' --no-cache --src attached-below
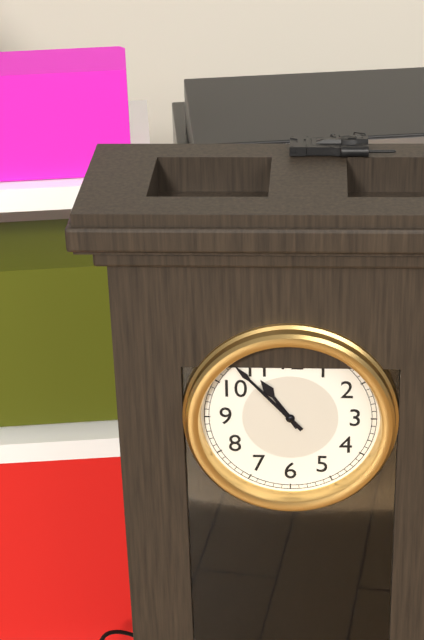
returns 10,53
